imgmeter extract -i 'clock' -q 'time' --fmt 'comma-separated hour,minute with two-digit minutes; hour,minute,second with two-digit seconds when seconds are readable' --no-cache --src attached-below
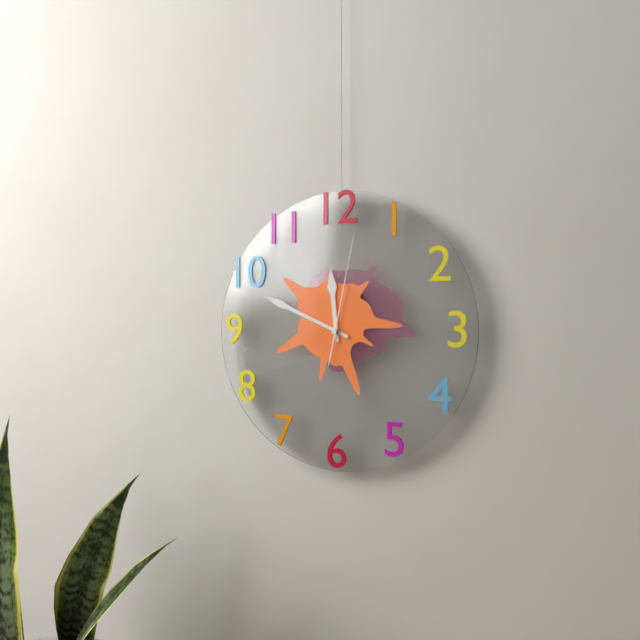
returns 11,49,02
